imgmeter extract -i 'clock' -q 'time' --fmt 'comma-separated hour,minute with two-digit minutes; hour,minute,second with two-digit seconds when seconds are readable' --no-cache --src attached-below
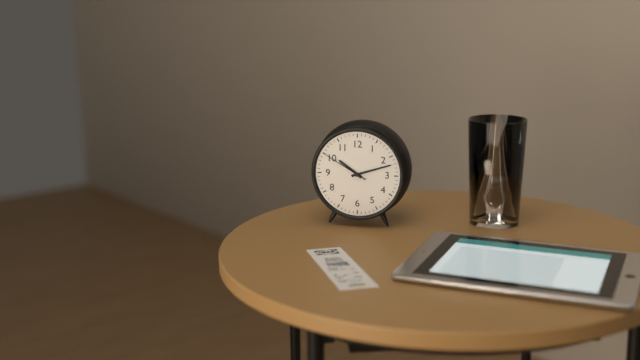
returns 10,12
